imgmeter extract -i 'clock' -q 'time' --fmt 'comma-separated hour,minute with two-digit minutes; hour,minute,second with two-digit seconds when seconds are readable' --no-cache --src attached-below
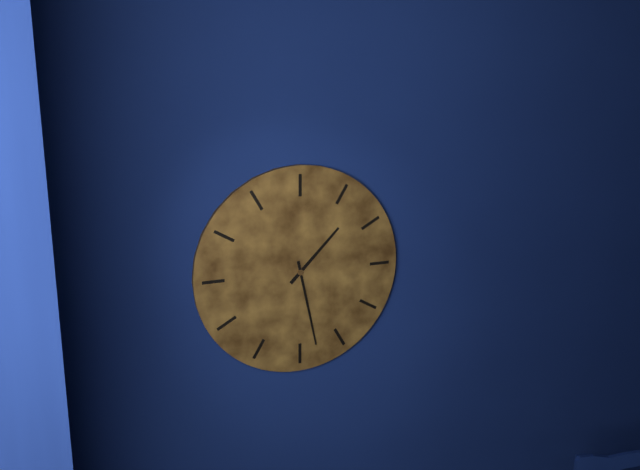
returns 1,28
